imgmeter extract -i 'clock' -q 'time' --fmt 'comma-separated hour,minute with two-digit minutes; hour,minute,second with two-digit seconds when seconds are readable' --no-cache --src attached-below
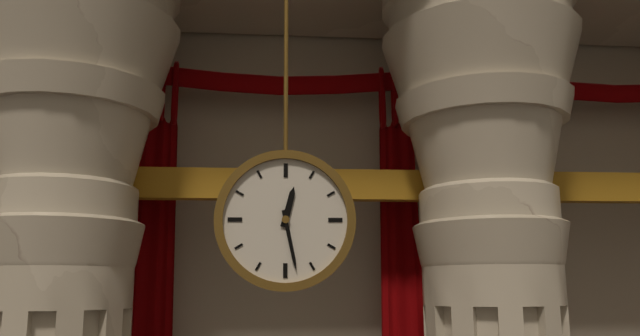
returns 12,28
